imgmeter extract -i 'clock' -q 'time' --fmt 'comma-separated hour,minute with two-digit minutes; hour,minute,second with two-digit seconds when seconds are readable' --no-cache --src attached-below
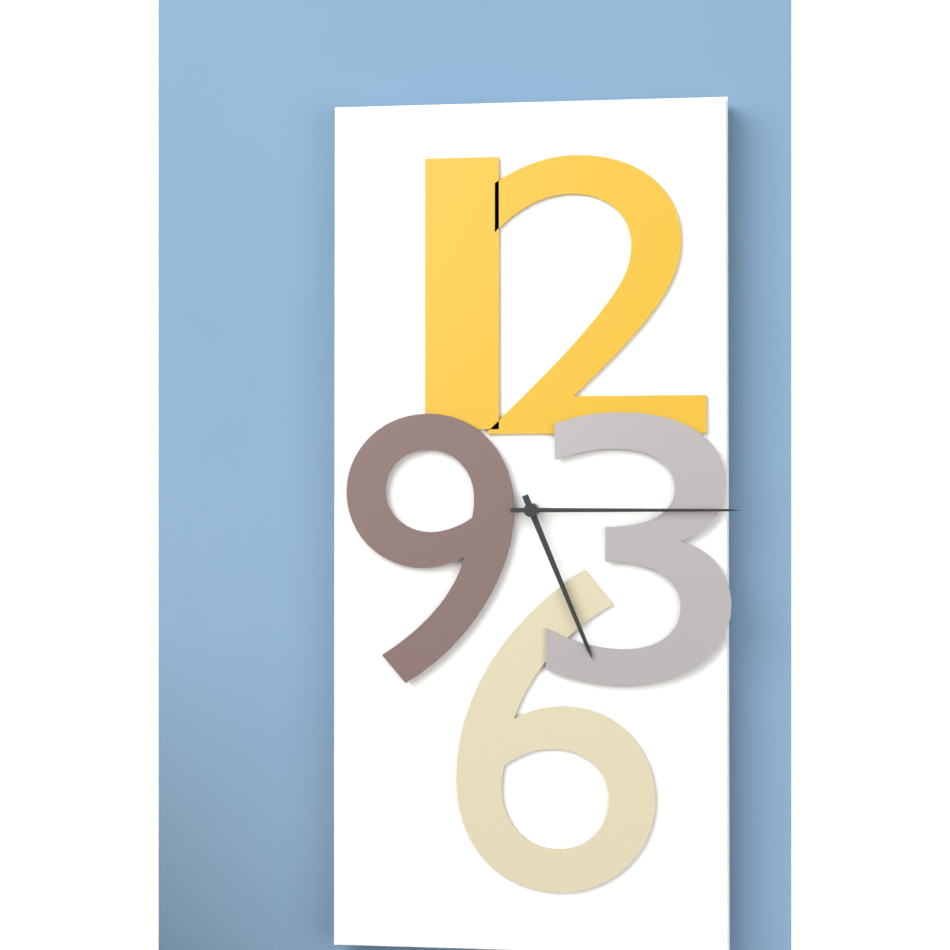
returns 5,15
